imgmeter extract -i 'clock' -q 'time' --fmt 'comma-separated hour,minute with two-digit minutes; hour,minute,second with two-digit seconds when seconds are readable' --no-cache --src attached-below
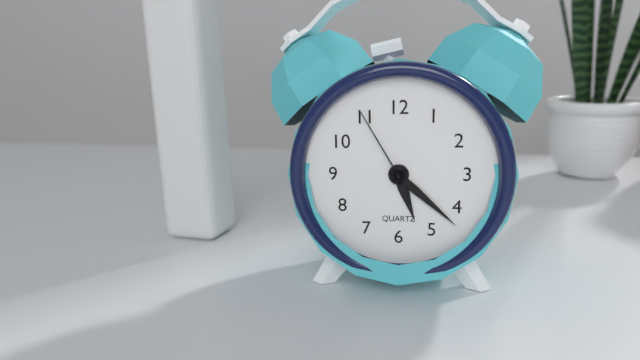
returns 5,22,55
